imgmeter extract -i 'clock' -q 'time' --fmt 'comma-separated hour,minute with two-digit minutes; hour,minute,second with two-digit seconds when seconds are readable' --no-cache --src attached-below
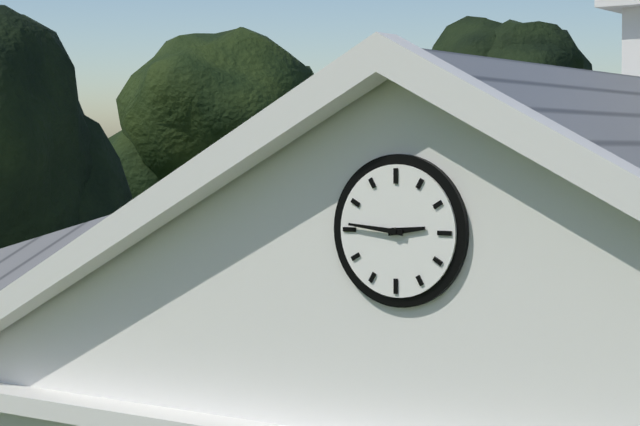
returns 2,46
